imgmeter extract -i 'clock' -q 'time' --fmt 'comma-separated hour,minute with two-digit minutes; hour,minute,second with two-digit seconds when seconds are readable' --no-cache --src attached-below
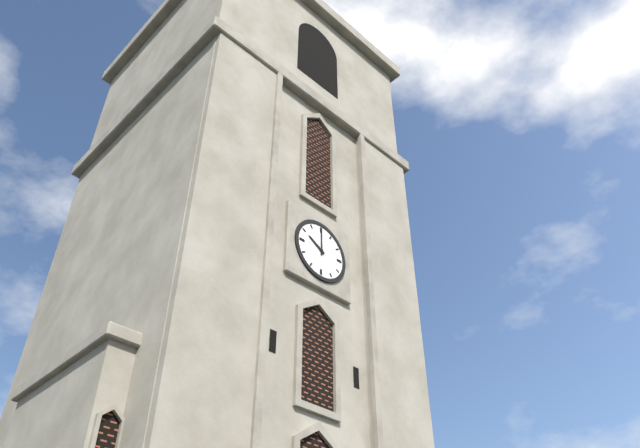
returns 10,00
